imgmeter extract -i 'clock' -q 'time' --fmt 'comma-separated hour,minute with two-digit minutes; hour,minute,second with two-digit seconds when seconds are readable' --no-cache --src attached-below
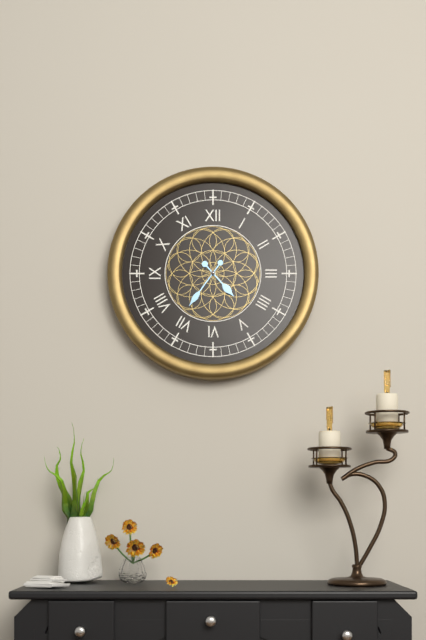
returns 4,36
